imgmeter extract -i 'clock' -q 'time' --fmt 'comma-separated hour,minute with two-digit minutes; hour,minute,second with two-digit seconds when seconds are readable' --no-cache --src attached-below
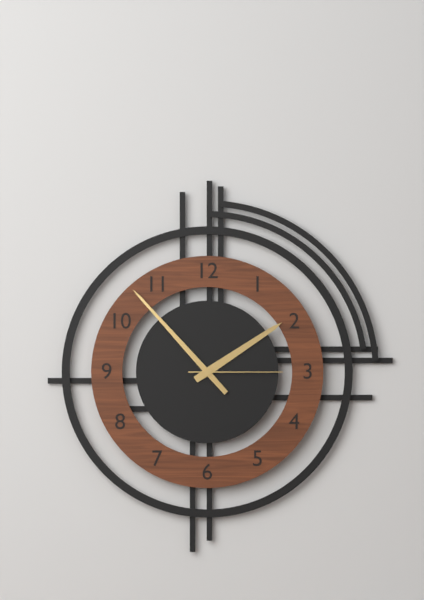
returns 1,53,15
